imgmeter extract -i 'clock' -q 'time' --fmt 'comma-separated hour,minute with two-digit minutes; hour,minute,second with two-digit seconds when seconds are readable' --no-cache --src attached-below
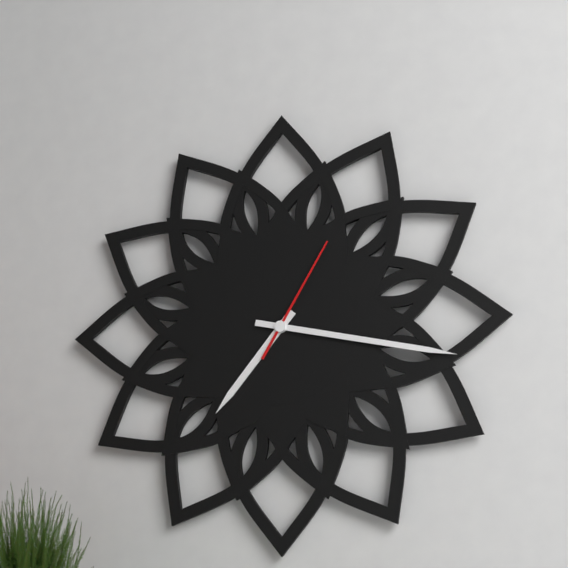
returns 7,17,05
